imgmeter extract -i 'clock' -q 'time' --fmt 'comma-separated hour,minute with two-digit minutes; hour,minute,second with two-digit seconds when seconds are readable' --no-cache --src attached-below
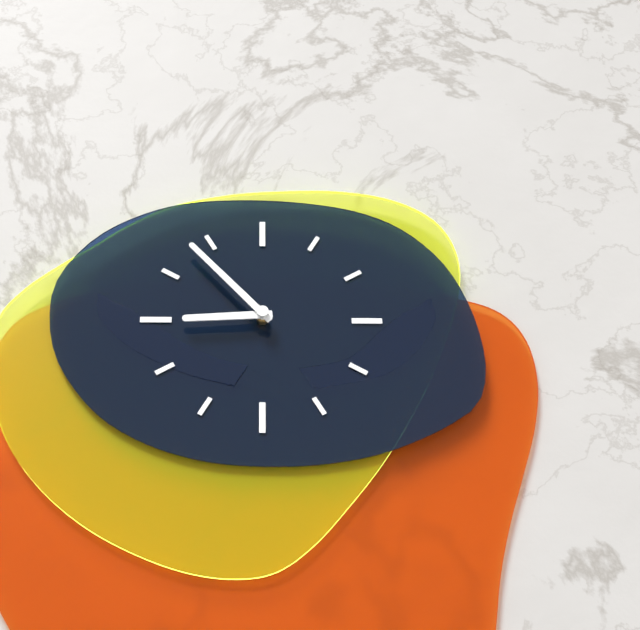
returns 8,53
